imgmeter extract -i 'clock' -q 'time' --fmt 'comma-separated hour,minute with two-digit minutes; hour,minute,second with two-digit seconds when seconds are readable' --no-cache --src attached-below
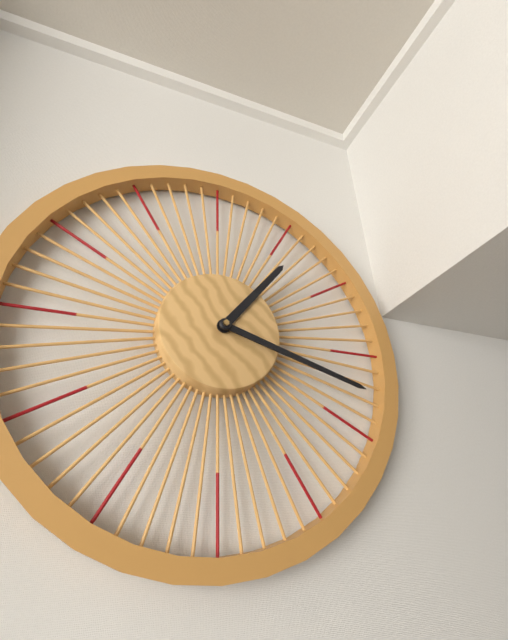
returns 1,18
